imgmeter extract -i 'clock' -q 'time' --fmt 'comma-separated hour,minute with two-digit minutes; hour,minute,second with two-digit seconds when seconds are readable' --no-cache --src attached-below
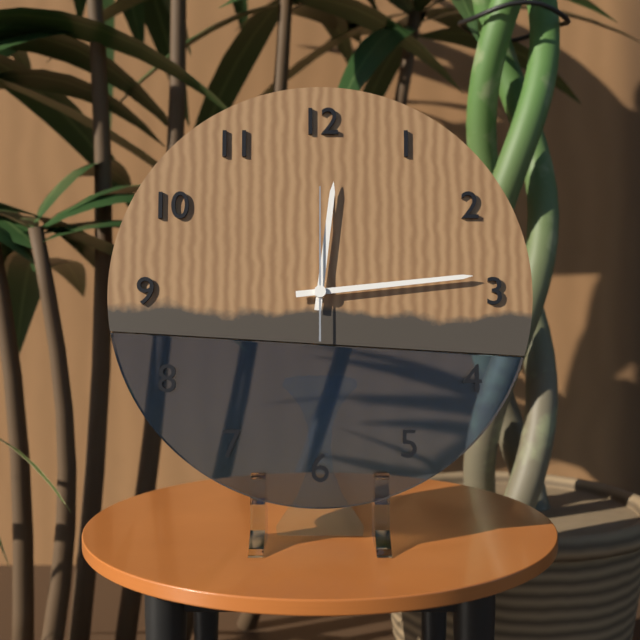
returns 12,14,00
